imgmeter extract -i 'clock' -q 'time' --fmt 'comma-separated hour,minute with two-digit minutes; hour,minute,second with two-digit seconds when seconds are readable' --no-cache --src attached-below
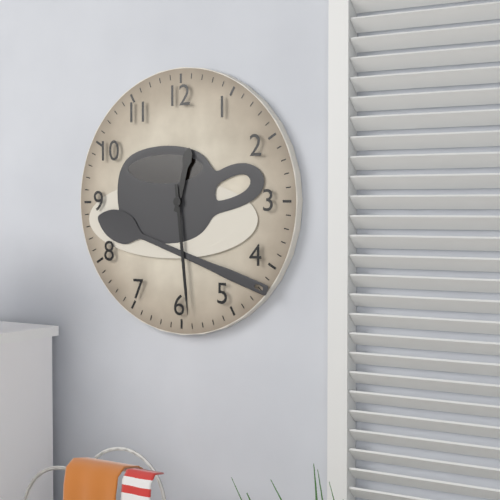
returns 12,29
